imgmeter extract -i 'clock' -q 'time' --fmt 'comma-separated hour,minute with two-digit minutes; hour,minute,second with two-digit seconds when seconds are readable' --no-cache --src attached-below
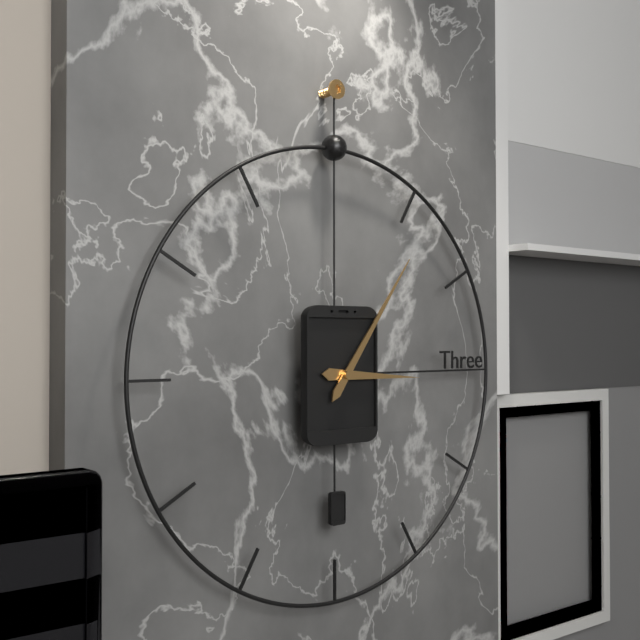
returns 3,06
